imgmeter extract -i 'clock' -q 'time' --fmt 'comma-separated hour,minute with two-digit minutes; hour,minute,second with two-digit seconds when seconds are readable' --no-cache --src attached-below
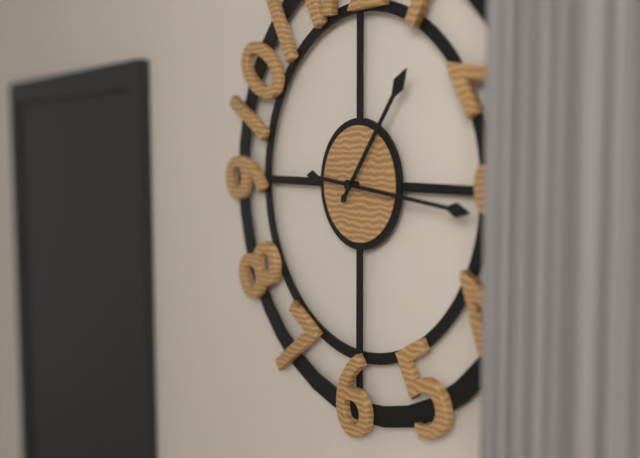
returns 1,16
